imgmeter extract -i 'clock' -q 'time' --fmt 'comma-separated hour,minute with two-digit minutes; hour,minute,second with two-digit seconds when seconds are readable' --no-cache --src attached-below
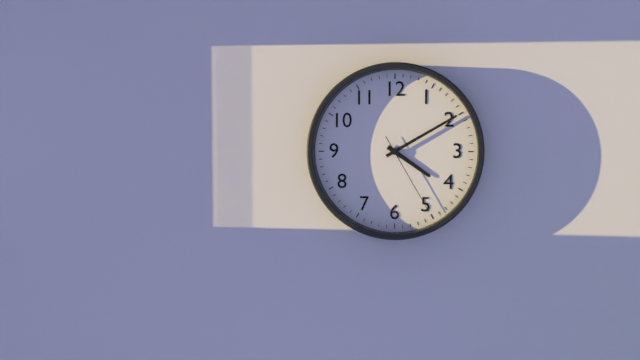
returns 4,10,25
